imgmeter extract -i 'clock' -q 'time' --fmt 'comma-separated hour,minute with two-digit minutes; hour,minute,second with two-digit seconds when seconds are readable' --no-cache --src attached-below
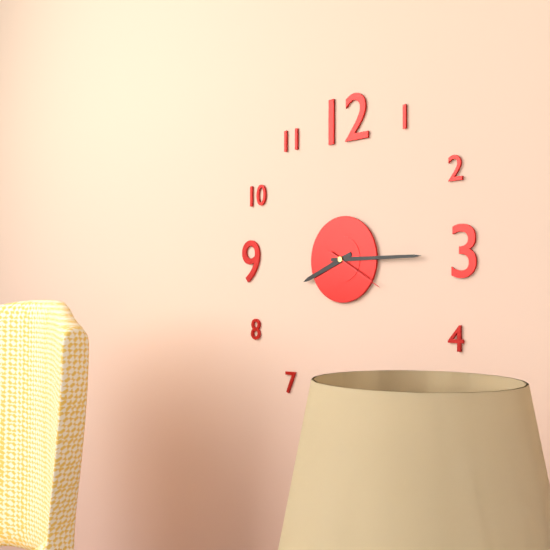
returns 8,15,20
